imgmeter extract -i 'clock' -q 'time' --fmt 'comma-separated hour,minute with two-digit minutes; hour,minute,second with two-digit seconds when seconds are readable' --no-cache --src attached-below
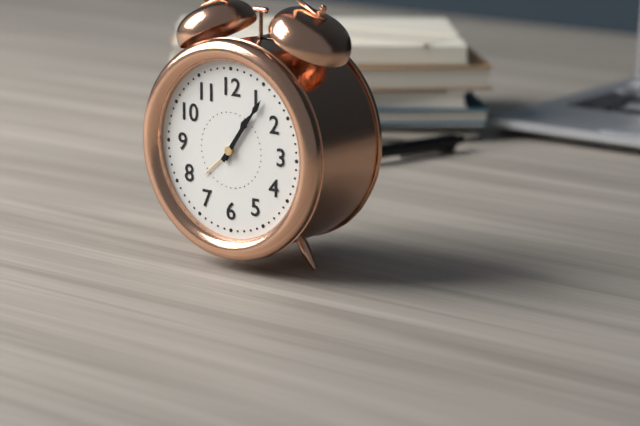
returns 1,06
